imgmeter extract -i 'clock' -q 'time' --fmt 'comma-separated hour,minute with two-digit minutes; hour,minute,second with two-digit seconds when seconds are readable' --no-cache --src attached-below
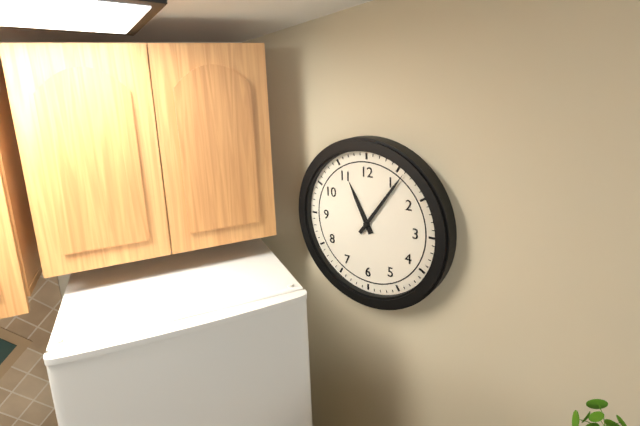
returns 11,06
